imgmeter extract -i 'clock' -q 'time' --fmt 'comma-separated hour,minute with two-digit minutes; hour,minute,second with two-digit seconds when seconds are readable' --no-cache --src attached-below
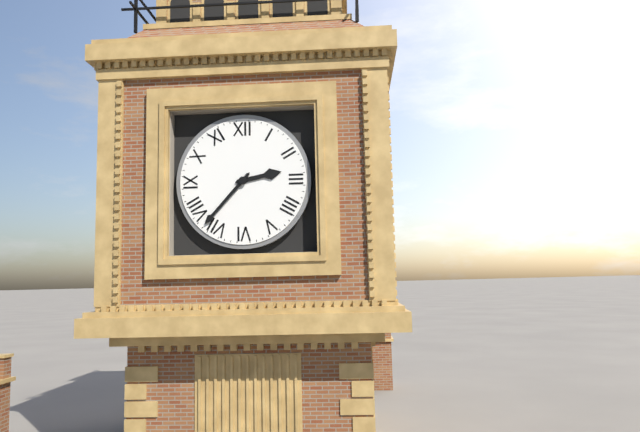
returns 2,37
